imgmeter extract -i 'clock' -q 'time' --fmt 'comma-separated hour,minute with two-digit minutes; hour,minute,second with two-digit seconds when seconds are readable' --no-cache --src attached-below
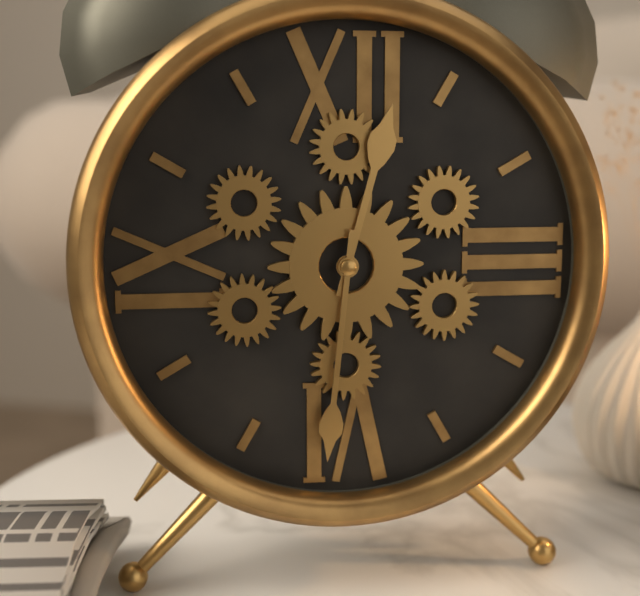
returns 12,31
